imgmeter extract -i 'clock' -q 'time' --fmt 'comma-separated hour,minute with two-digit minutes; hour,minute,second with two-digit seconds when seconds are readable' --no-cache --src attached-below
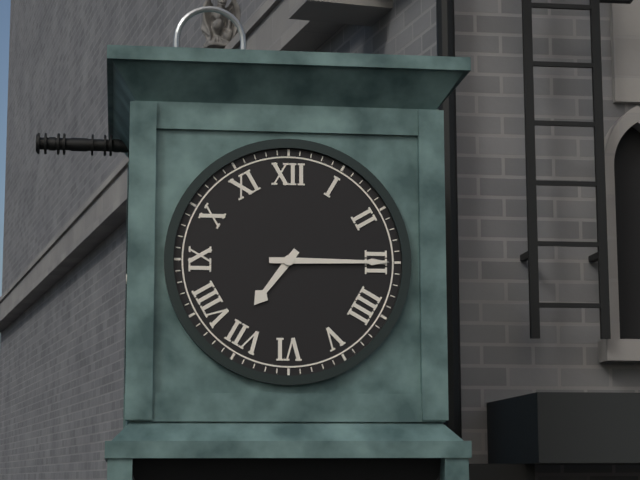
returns 7,15
